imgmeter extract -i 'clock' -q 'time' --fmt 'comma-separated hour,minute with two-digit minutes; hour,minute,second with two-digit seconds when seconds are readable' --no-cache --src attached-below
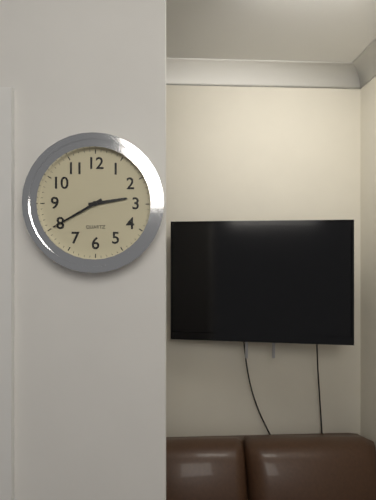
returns 2,40
